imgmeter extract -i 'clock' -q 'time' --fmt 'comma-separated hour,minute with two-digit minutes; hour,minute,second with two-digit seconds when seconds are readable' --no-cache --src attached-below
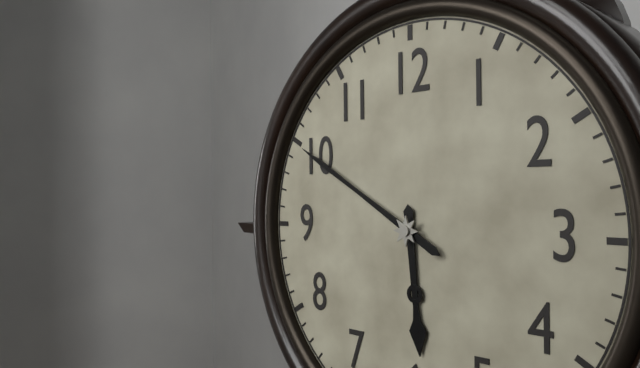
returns 5,50
